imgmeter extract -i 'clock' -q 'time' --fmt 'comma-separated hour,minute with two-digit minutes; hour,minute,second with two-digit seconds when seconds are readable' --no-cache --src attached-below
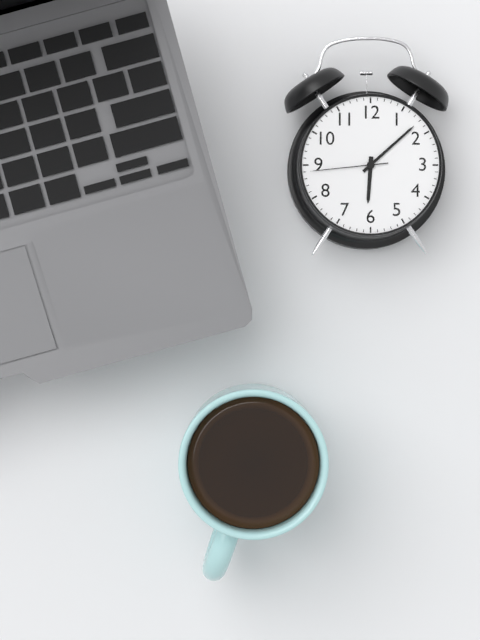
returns 6,08,44
